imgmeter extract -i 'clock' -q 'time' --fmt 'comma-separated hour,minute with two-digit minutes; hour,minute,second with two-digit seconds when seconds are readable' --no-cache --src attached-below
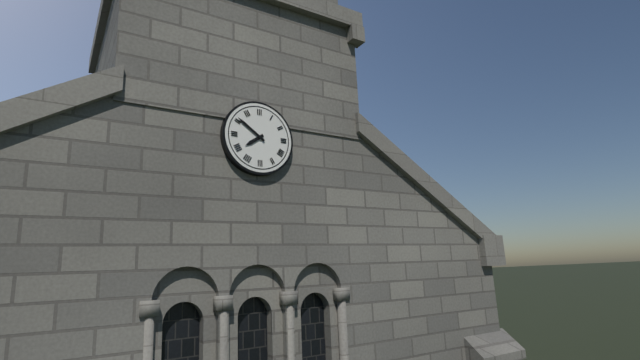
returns 7,51
